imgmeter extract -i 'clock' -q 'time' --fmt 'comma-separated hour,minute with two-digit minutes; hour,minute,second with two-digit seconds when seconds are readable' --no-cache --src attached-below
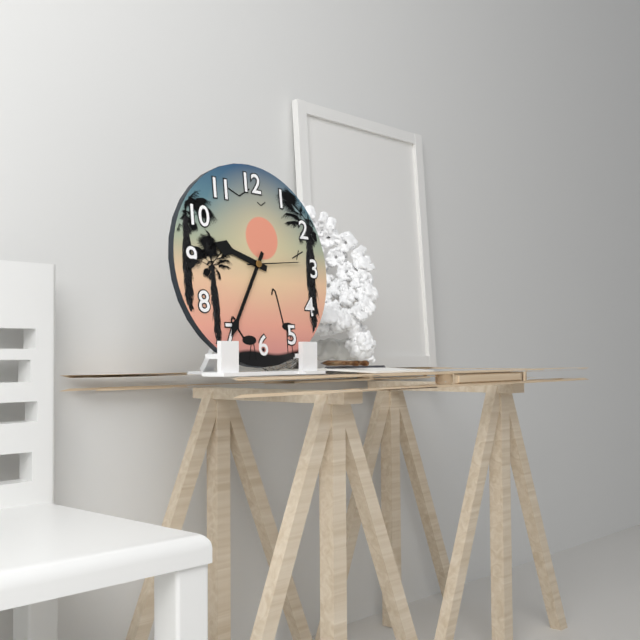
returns 9,35,14
